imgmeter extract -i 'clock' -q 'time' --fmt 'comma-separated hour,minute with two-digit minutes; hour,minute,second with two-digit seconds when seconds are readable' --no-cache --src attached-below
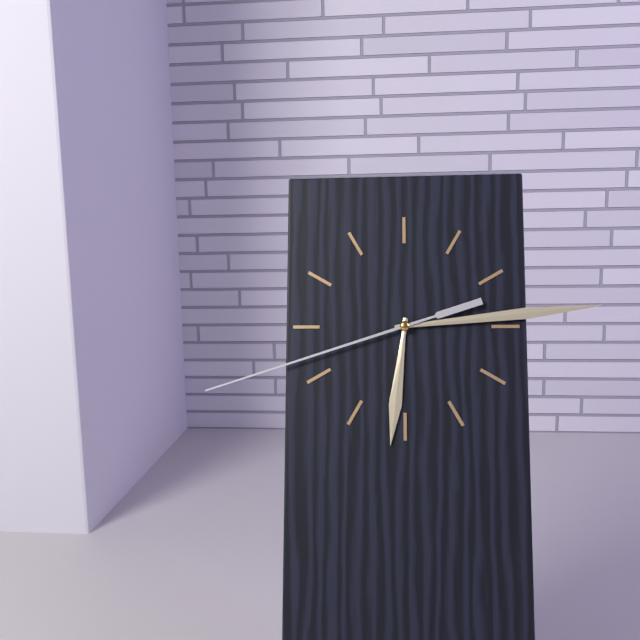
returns 6,14,42
